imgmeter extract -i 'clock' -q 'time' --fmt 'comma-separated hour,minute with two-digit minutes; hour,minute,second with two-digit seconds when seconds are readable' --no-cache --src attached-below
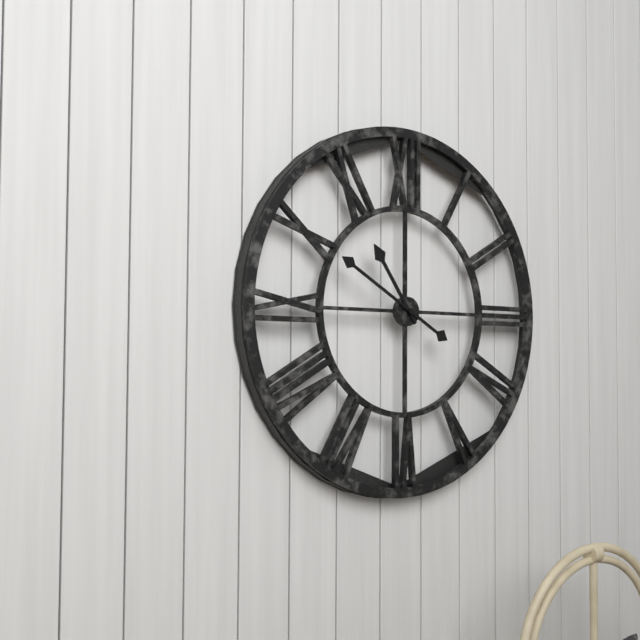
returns 10,50
